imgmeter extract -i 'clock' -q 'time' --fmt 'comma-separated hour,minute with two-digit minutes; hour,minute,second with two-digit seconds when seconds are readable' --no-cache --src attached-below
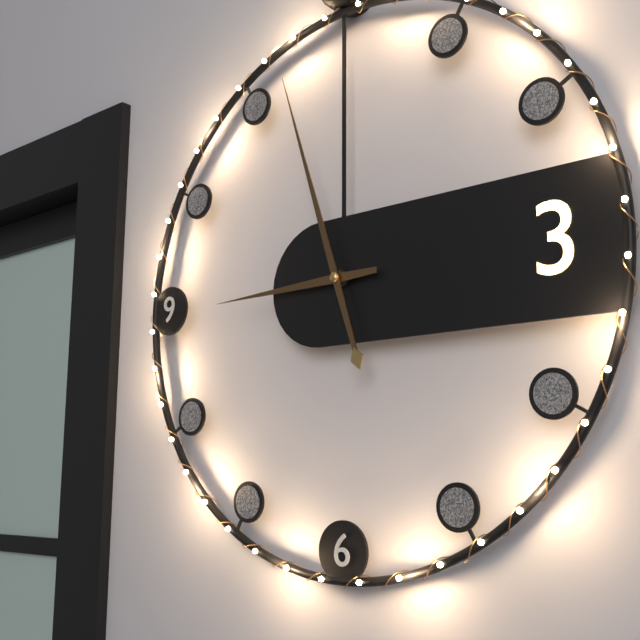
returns 8,57
